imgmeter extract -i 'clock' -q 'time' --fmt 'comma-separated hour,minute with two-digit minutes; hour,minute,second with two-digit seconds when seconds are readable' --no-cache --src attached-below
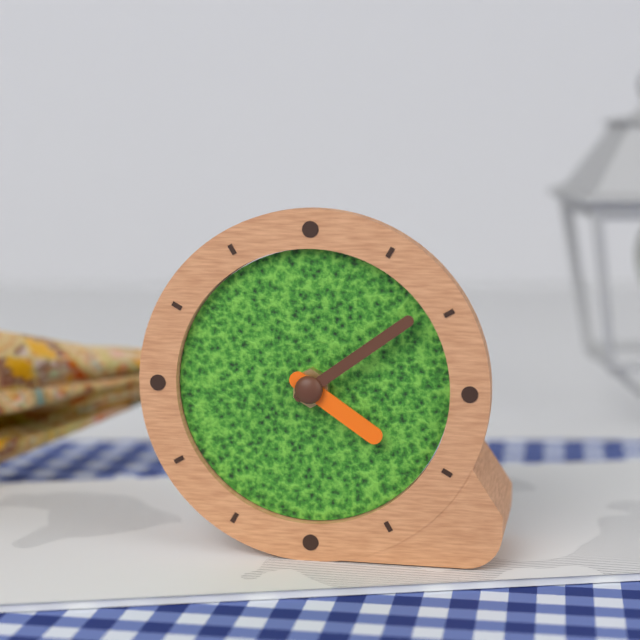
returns 4,09
